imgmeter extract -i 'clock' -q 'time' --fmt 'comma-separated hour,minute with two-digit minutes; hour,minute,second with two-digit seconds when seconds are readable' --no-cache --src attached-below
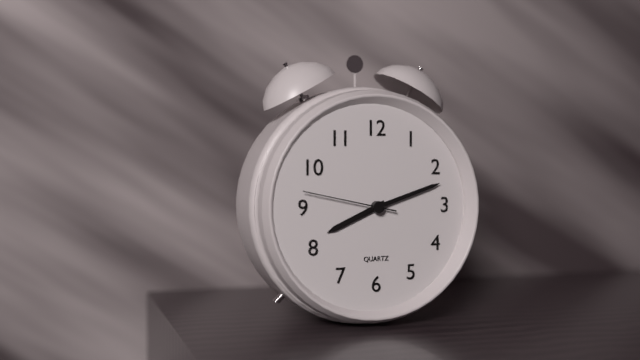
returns 8,12,47
